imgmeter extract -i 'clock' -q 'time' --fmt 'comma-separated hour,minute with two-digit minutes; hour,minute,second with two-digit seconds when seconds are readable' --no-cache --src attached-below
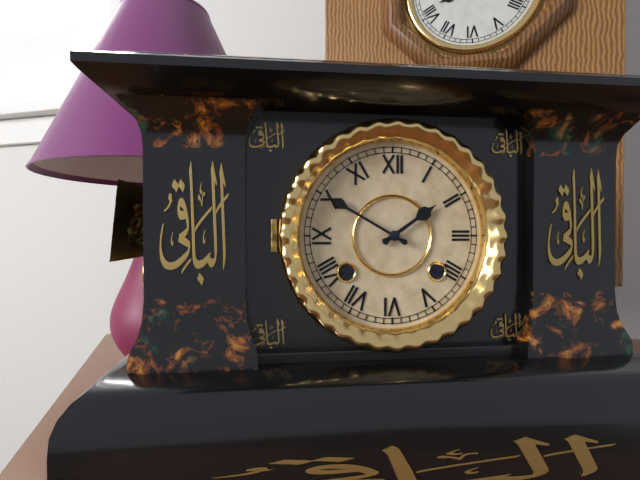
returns 1,50
